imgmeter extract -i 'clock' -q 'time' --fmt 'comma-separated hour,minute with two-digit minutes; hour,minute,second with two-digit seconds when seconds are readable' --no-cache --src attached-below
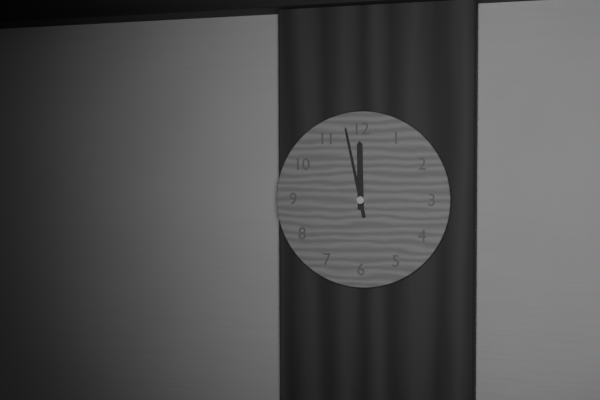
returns 11,58
